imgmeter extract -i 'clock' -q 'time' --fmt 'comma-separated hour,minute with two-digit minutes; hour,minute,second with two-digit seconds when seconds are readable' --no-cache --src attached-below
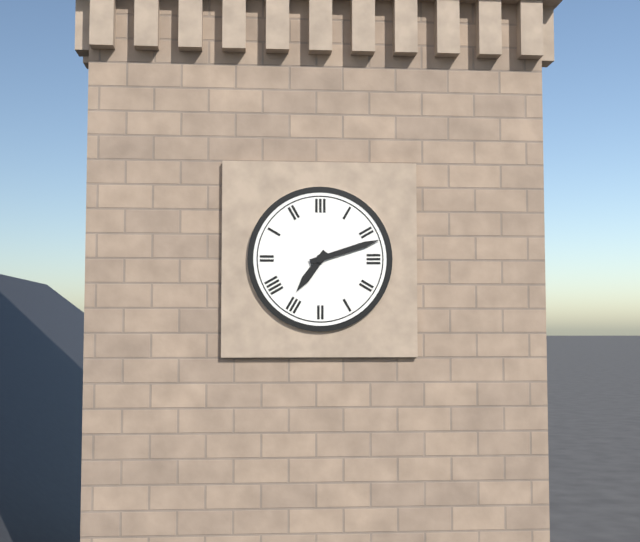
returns 7,12
